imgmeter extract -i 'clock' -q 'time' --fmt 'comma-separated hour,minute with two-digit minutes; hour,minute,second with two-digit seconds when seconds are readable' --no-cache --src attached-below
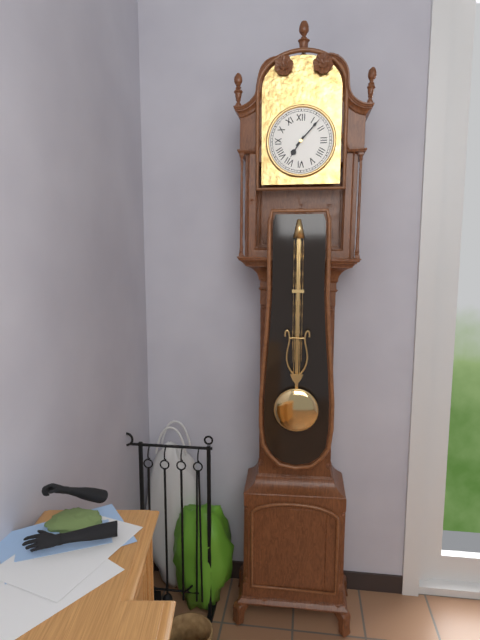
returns 7,07
